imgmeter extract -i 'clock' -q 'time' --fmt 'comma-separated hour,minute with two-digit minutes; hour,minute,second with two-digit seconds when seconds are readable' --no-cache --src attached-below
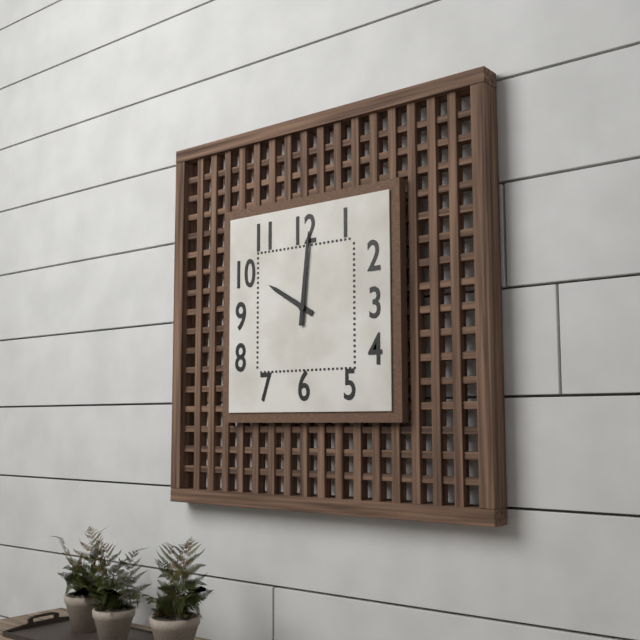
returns 10,01
